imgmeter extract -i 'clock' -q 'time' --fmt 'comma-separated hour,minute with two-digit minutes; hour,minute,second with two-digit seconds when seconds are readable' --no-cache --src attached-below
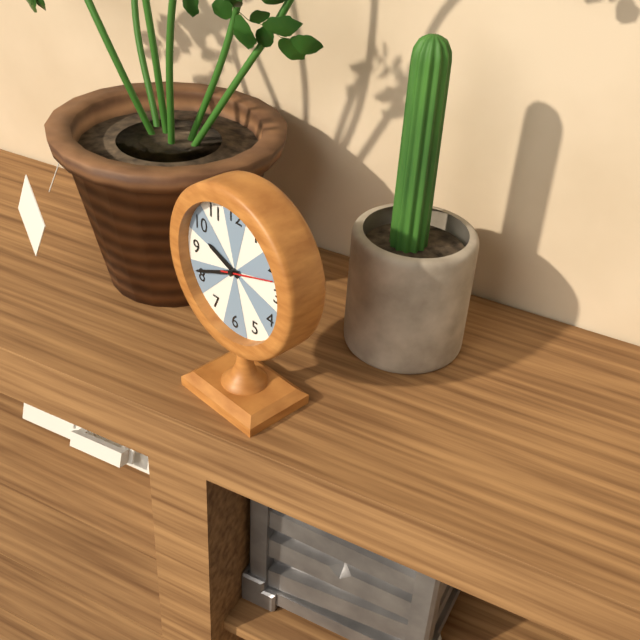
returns 9,41,12
